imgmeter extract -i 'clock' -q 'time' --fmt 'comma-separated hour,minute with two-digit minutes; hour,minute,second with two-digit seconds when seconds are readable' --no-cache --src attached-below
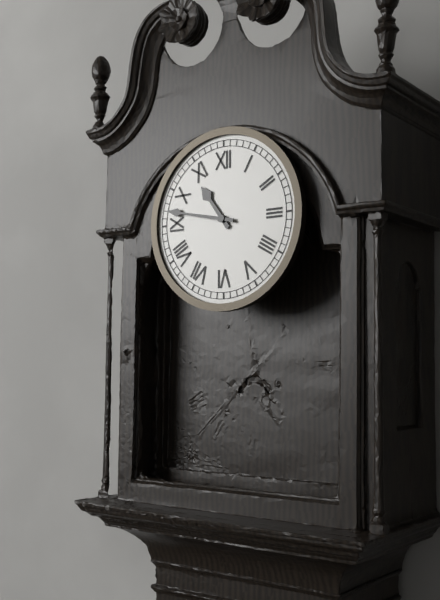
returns 10,47
